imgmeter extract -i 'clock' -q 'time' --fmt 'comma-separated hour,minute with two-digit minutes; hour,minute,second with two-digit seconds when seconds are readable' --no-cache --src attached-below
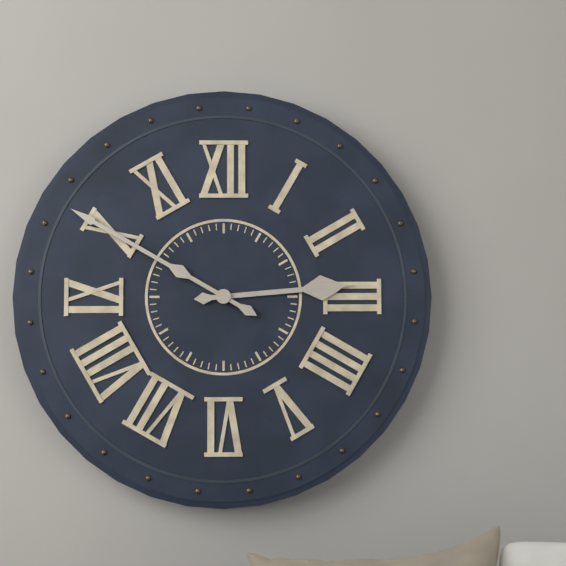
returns 2,50
